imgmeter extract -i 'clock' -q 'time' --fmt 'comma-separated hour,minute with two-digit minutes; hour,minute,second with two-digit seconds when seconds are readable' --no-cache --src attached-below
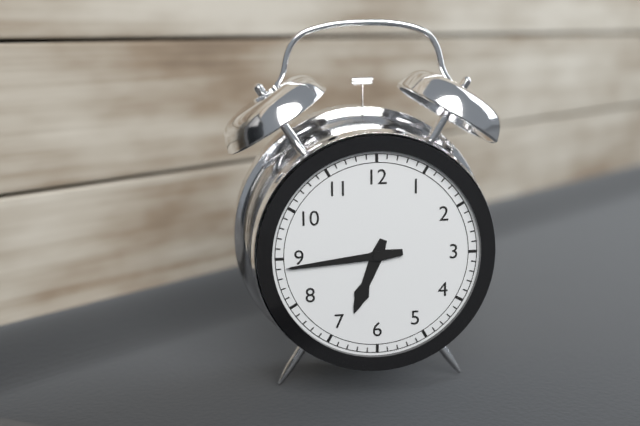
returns 6,44
